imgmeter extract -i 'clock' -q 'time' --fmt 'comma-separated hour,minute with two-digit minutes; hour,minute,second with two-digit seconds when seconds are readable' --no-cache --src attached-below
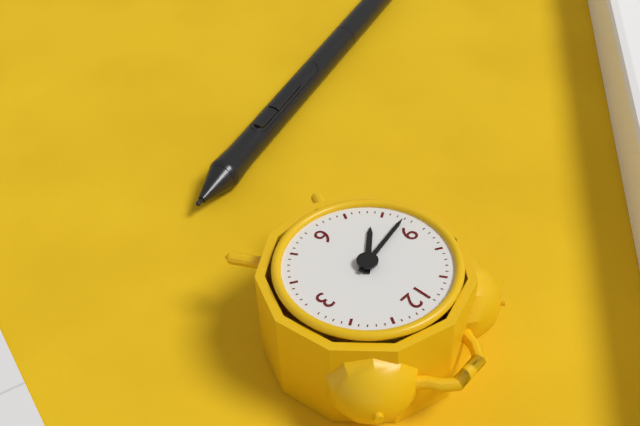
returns 7,43
